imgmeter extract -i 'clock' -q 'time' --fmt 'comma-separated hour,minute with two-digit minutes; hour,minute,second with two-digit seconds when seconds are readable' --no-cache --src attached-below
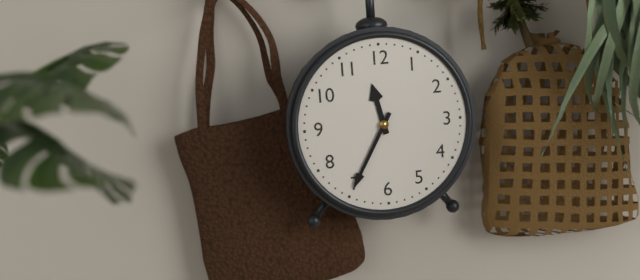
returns 11,35
